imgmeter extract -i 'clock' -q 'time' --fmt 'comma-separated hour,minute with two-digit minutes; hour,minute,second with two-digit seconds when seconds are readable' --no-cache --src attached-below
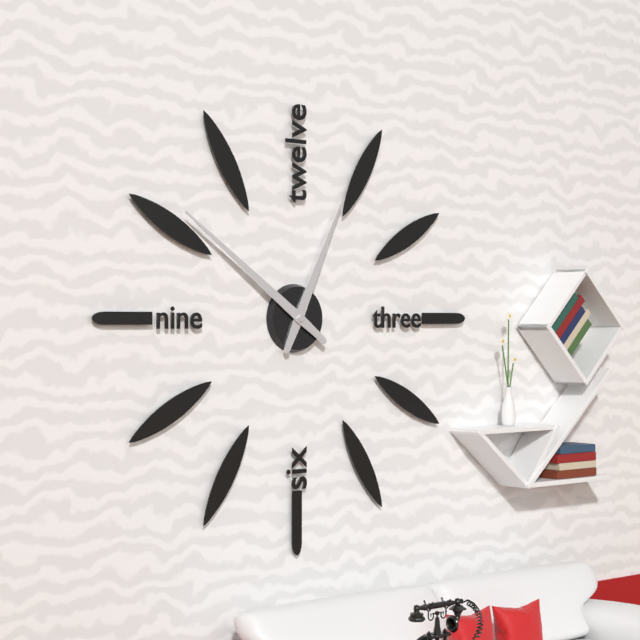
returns 12,51
